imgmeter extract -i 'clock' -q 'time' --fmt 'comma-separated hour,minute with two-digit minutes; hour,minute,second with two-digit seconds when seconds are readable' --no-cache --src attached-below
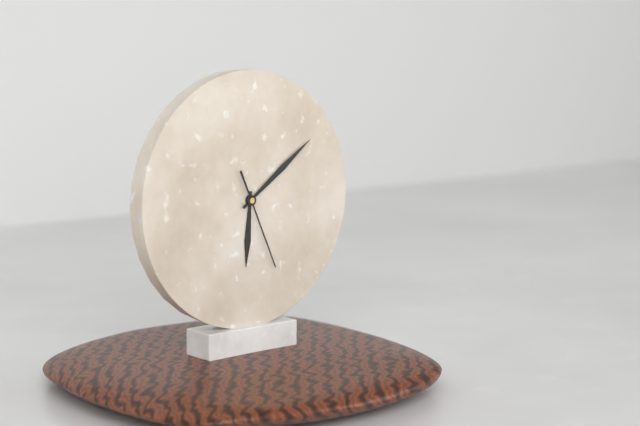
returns 6,09,26
